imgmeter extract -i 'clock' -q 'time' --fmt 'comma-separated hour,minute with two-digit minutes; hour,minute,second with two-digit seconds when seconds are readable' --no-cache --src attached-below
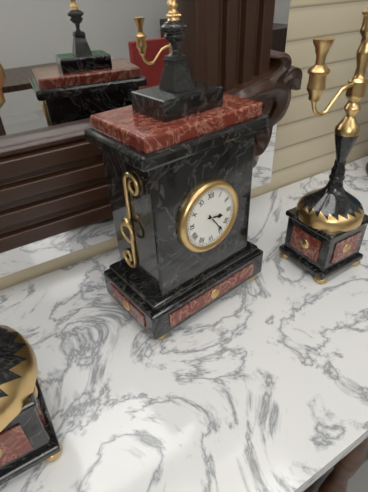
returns 3,24
